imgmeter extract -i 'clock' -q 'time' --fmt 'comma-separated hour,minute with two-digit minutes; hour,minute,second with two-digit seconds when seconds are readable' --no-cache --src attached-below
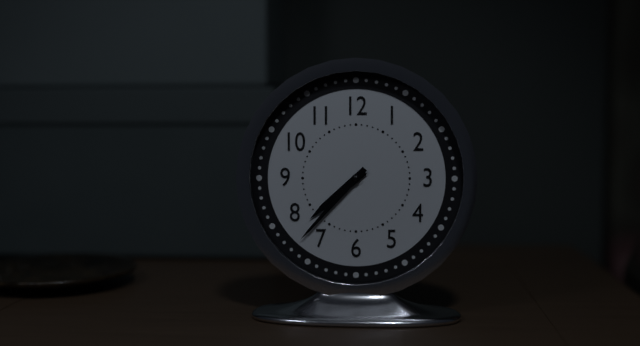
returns 7,37
